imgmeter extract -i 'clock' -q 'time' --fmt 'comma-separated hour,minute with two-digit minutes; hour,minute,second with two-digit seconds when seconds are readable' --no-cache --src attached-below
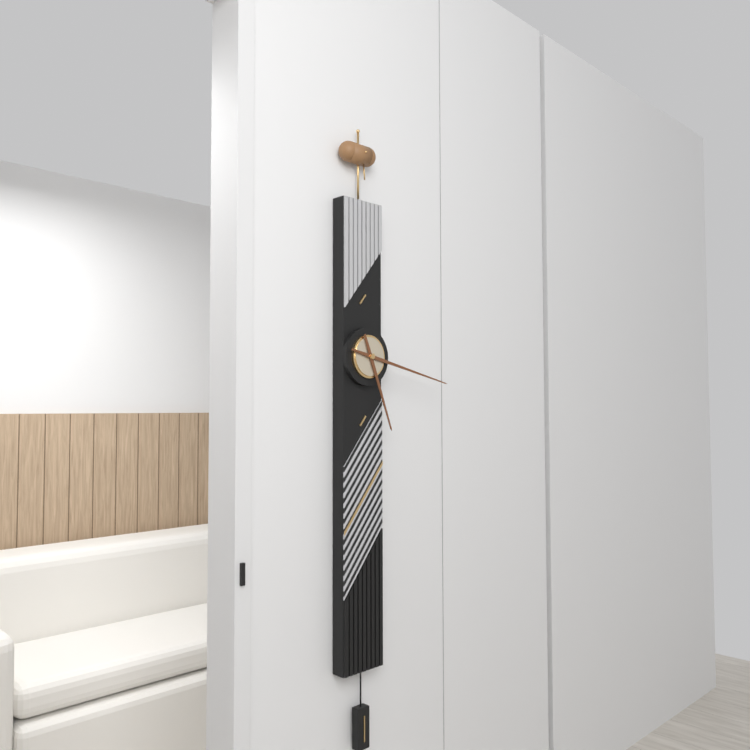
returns 5,17
